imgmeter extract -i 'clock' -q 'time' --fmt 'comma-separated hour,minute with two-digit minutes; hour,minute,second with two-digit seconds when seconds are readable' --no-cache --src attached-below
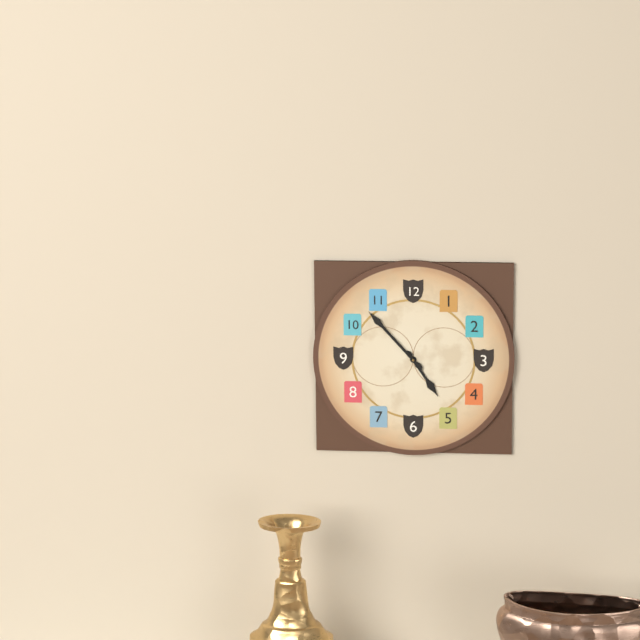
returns 4,53
